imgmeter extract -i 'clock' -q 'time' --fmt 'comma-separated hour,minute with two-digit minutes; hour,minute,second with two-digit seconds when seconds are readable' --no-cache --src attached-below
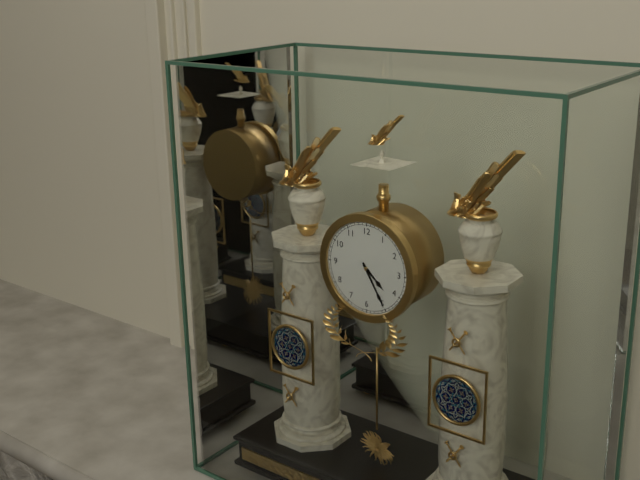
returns 4,25
